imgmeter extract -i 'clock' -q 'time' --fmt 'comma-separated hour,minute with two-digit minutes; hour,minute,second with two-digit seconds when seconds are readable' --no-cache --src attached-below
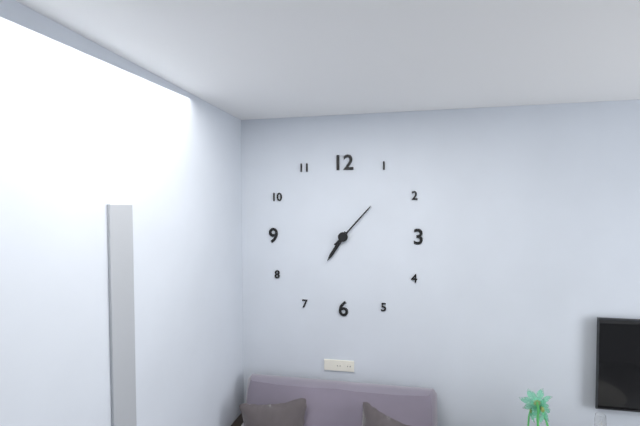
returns 7,07
